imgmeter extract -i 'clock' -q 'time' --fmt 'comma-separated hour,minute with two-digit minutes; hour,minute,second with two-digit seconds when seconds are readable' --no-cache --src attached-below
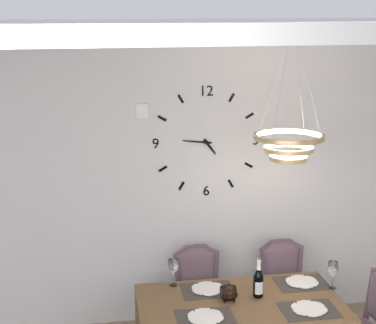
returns 4,46
